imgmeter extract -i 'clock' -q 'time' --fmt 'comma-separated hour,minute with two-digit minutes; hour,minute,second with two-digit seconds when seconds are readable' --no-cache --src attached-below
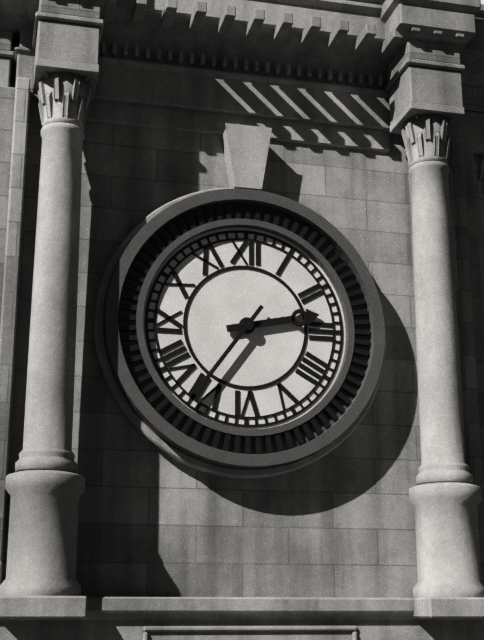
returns 2,36
